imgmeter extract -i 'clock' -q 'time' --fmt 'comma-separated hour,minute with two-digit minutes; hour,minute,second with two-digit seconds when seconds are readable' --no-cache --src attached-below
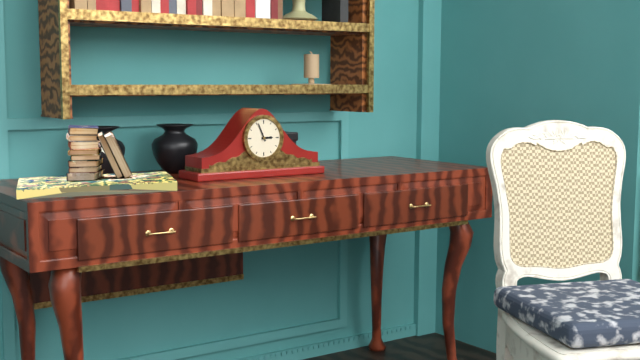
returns 2,56
